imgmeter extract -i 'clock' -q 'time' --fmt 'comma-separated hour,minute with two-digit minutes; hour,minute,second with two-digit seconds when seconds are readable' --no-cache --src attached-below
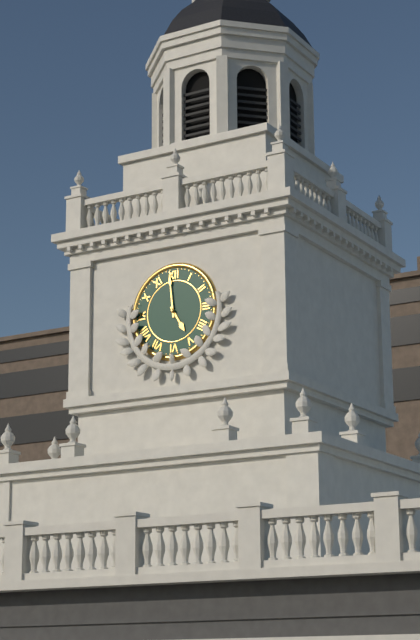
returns 4,59
